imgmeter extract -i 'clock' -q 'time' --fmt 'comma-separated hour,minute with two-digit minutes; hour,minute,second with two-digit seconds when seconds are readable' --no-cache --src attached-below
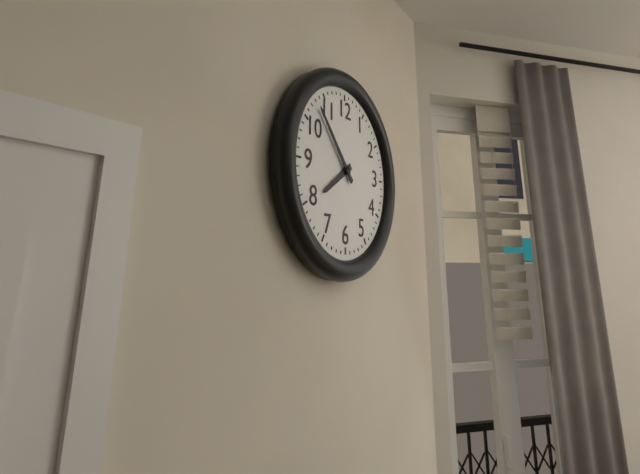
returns 7,53
